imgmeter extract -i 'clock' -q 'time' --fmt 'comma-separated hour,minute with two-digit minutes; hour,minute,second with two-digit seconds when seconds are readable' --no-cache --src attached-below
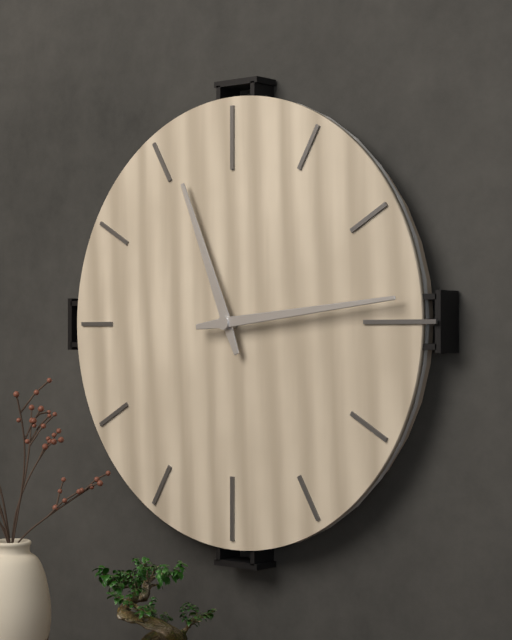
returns 11,14
